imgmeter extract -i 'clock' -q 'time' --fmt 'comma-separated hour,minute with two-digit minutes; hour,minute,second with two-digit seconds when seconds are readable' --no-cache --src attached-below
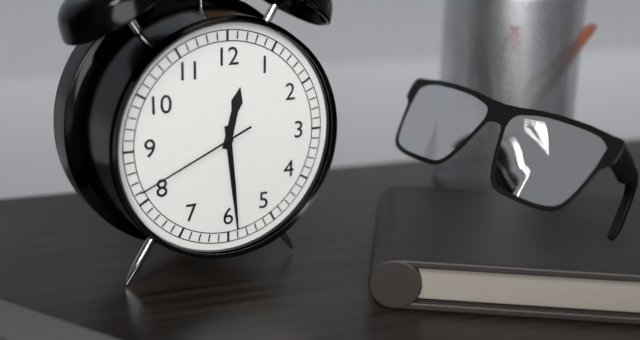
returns 12,29,41
